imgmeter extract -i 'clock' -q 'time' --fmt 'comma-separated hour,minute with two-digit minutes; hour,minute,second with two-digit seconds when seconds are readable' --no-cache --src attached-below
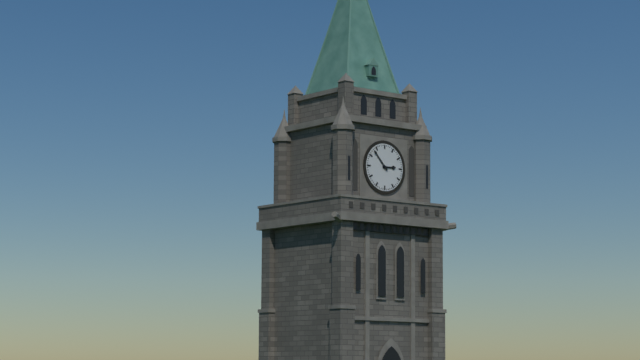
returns 2,53
